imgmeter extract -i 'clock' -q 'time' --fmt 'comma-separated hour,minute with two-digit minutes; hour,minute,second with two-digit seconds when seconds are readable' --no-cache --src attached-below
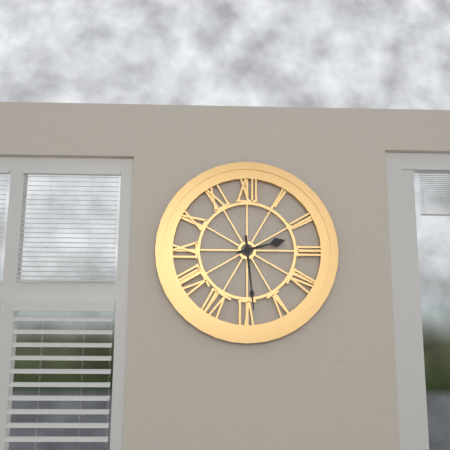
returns 2,29
